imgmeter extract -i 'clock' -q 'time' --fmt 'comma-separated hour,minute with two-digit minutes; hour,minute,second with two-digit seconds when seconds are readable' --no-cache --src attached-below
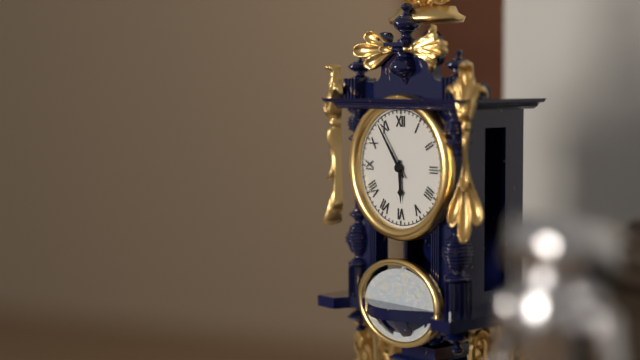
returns 5,54
